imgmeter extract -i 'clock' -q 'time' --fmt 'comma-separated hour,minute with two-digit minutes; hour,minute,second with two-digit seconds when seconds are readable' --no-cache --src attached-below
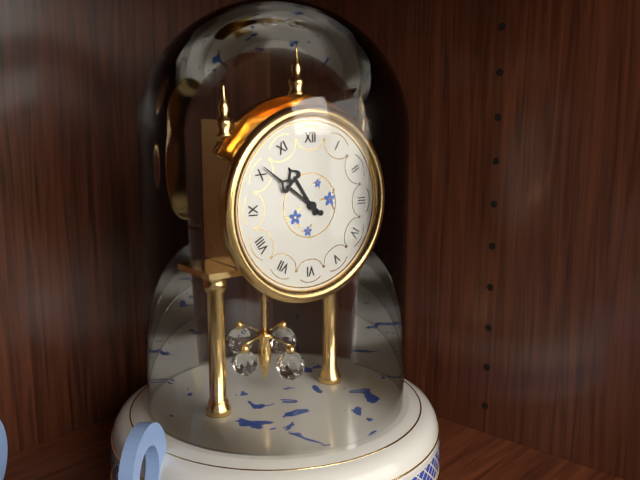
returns 10,51
